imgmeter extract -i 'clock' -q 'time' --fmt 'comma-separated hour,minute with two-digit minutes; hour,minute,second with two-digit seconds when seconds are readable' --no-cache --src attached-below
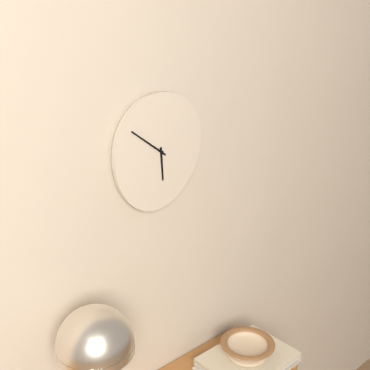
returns 5,51
